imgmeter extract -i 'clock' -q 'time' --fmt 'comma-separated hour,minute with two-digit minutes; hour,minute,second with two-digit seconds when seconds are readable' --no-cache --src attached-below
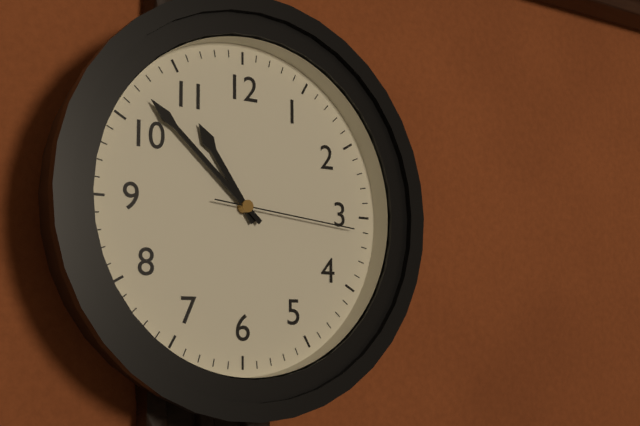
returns 10,52,16
